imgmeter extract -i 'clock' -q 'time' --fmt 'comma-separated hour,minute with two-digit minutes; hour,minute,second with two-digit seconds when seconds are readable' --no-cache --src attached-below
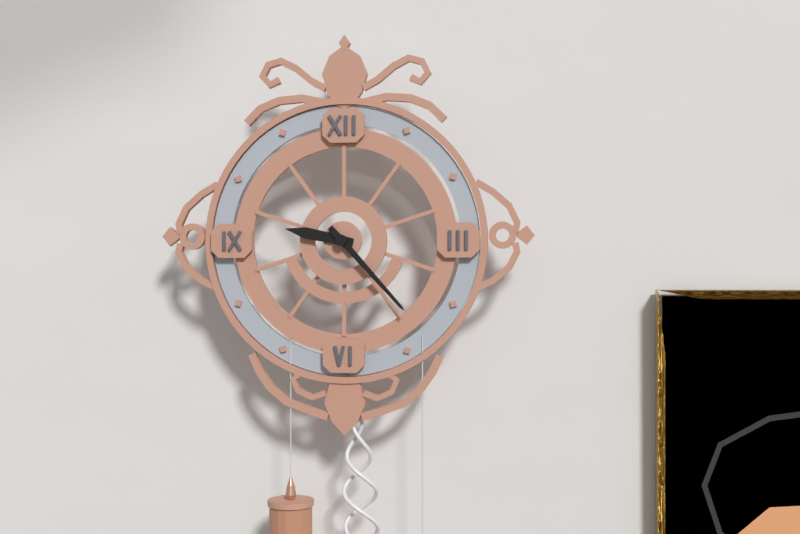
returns 9,23
